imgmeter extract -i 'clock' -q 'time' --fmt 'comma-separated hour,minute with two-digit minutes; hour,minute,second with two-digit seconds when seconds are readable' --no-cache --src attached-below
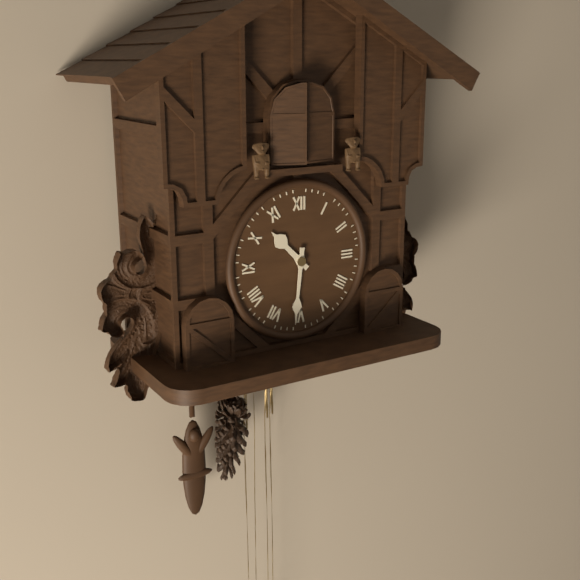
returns 10,31
